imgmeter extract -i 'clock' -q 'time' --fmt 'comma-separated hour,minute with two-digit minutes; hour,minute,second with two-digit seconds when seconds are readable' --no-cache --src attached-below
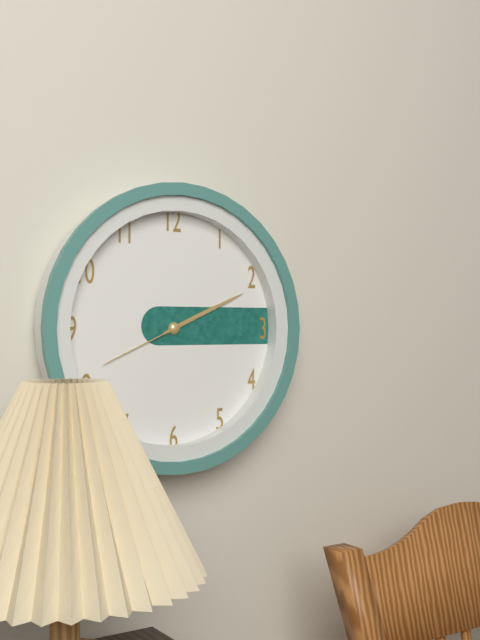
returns 2,11,41
